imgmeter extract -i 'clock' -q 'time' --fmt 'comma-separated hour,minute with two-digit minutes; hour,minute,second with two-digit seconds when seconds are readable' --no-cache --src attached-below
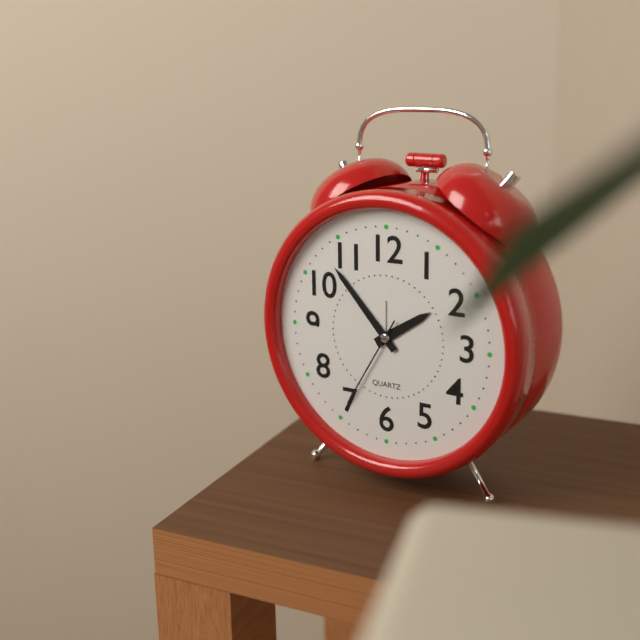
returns 1,53,35
